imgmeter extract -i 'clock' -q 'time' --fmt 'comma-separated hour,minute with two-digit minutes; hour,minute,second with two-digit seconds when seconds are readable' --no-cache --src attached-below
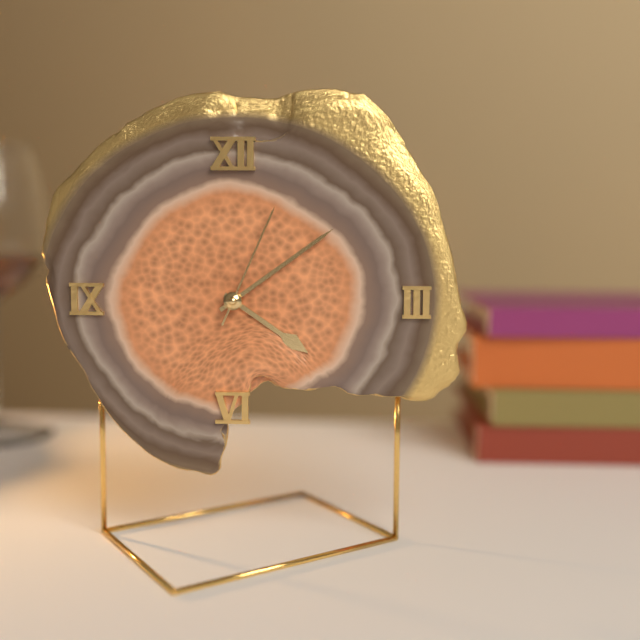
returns 4,09,04
